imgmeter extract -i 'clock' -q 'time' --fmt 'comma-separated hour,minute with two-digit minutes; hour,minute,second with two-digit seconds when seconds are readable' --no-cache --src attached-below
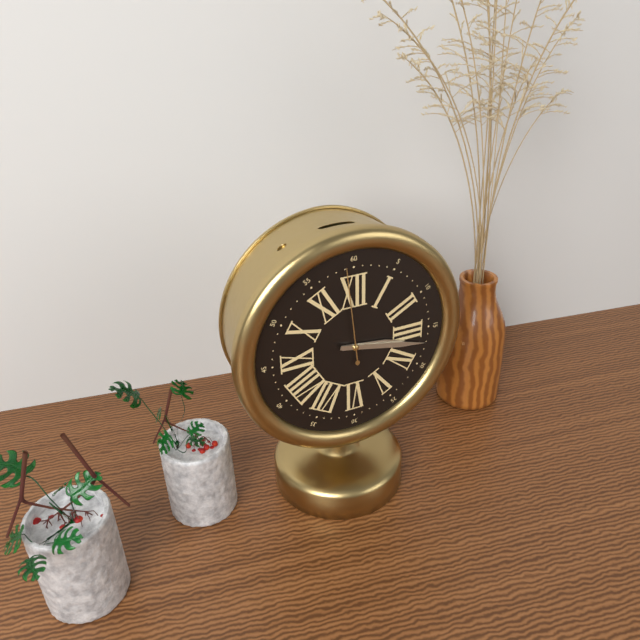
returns 3,17,59
